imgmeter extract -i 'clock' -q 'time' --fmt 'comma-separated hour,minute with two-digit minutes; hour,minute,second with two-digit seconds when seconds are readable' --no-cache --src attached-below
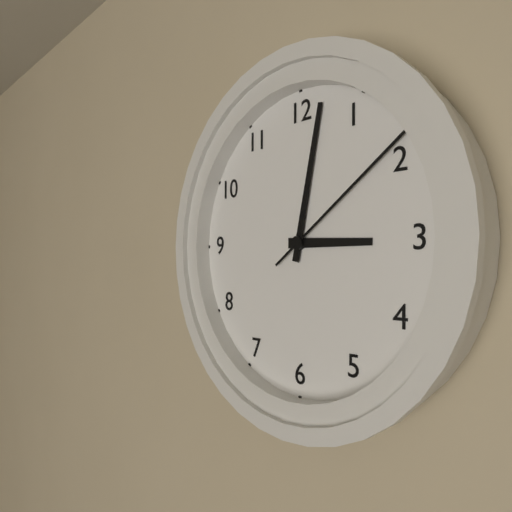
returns 3,02,09
